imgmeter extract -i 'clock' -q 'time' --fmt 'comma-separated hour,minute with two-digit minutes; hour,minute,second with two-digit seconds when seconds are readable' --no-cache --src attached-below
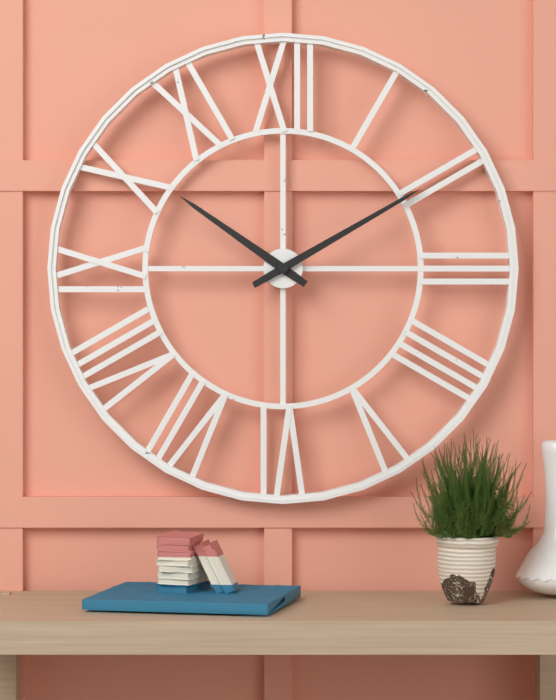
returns 10,10
